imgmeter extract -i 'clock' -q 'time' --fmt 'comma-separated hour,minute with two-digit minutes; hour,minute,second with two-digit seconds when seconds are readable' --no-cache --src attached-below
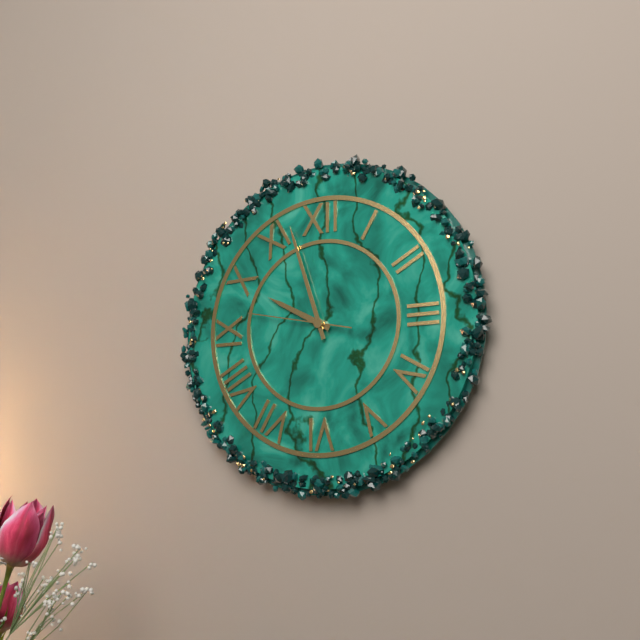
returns 9,57,47
